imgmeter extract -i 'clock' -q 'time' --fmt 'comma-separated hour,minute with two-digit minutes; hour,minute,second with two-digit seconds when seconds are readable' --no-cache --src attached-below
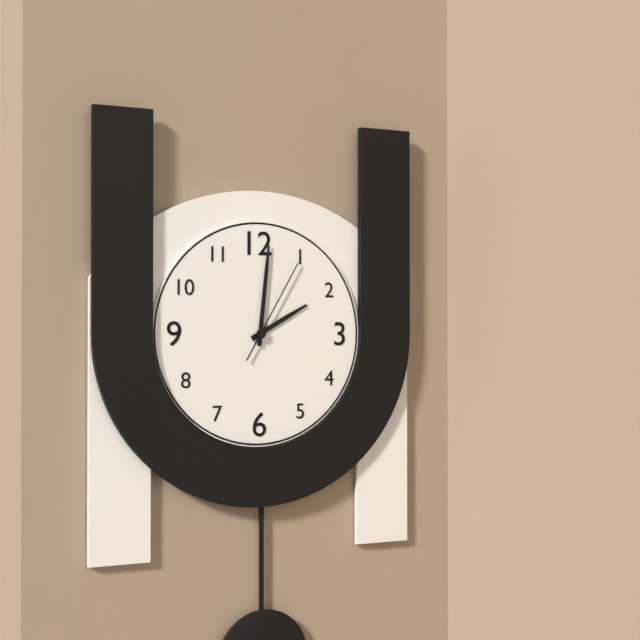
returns 2,01,05
